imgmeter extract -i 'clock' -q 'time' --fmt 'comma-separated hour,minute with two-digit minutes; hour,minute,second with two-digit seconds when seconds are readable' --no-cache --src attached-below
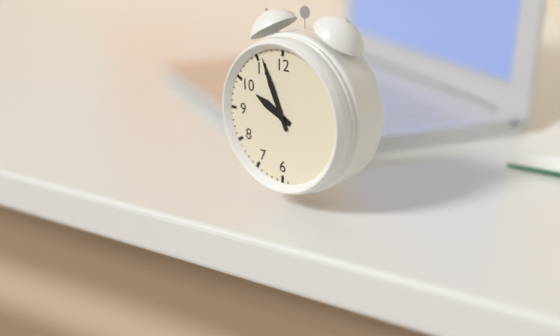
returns 9,56
